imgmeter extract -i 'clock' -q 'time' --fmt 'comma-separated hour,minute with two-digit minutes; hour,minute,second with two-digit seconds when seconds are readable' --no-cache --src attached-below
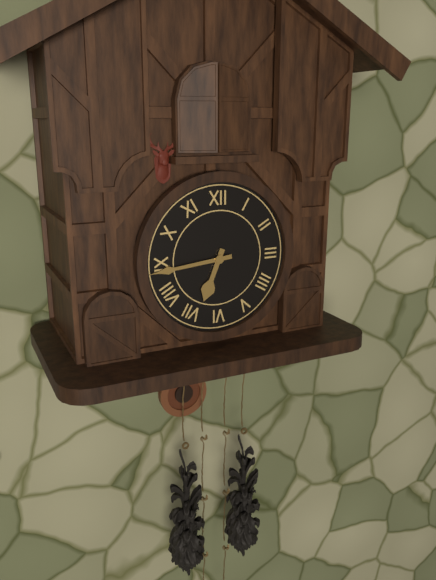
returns 6,44
